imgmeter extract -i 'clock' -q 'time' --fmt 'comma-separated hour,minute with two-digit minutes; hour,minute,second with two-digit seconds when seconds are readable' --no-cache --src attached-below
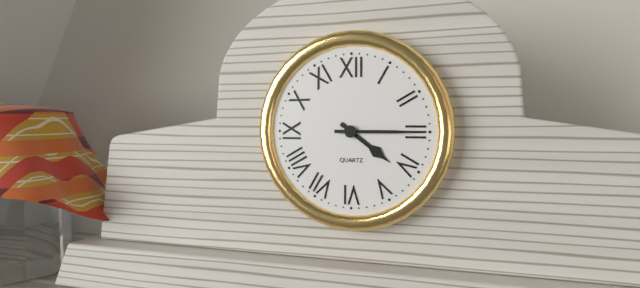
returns 4,15
